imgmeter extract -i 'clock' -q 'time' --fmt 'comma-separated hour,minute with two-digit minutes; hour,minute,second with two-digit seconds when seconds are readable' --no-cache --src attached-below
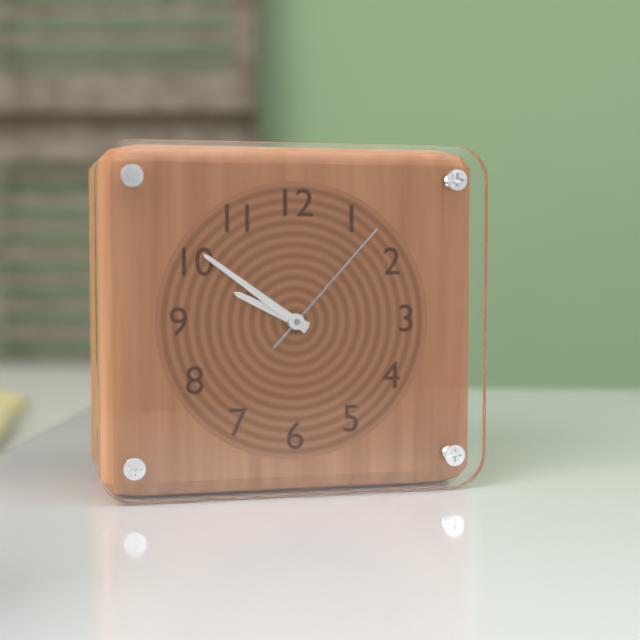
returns 9,51,07
